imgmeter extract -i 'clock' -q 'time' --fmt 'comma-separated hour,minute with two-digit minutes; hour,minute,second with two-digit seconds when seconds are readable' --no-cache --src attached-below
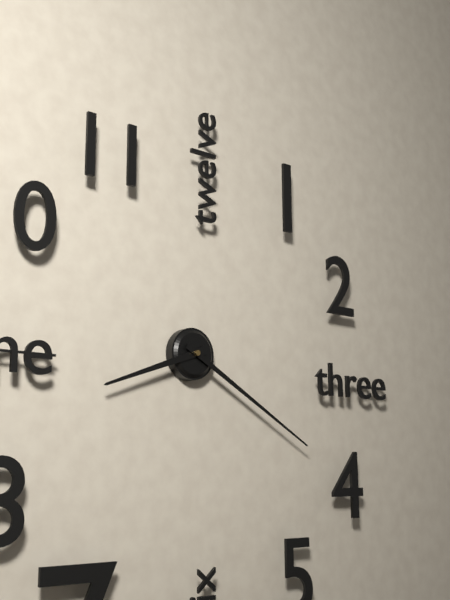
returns 8,20
